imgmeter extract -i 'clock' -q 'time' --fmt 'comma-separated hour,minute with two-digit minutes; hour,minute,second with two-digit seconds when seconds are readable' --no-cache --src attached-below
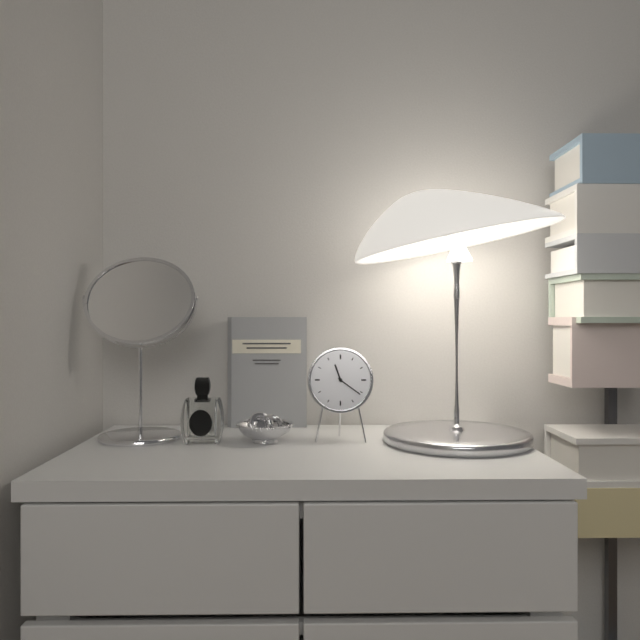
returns 11,21
